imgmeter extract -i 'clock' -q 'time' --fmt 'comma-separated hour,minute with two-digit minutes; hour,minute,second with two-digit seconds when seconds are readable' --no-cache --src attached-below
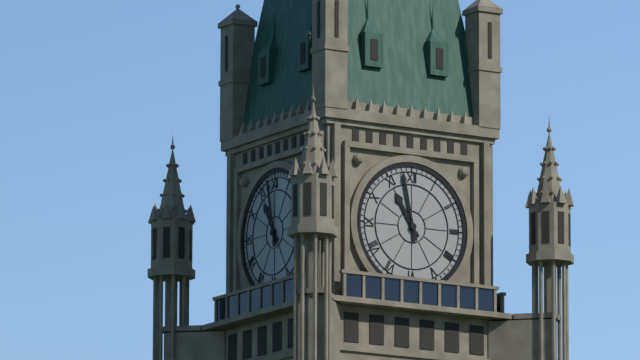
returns 10,58
